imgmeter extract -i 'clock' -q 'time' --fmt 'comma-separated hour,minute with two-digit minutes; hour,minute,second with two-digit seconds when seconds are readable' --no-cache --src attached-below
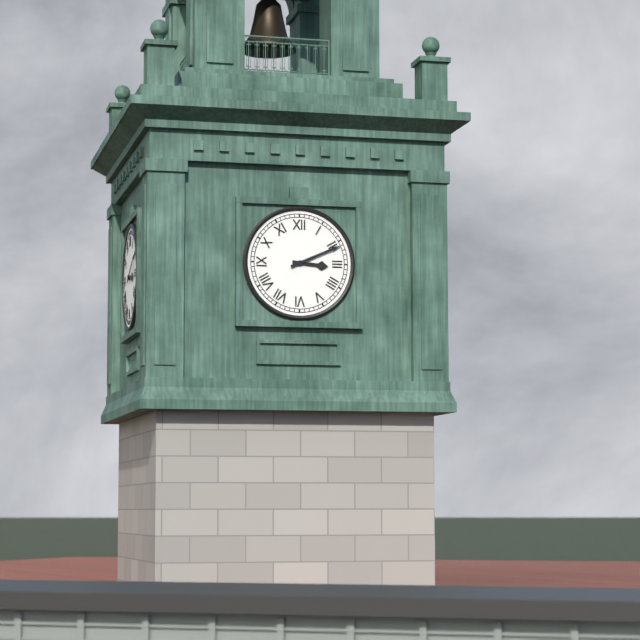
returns 3,11
